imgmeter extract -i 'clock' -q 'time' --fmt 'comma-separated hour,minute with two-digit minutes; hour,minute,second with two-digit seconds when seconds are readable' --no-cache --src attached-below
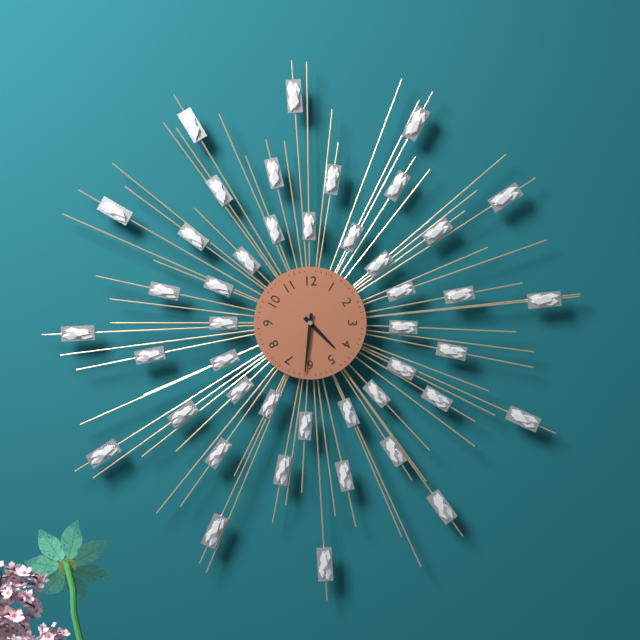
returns 4,31
